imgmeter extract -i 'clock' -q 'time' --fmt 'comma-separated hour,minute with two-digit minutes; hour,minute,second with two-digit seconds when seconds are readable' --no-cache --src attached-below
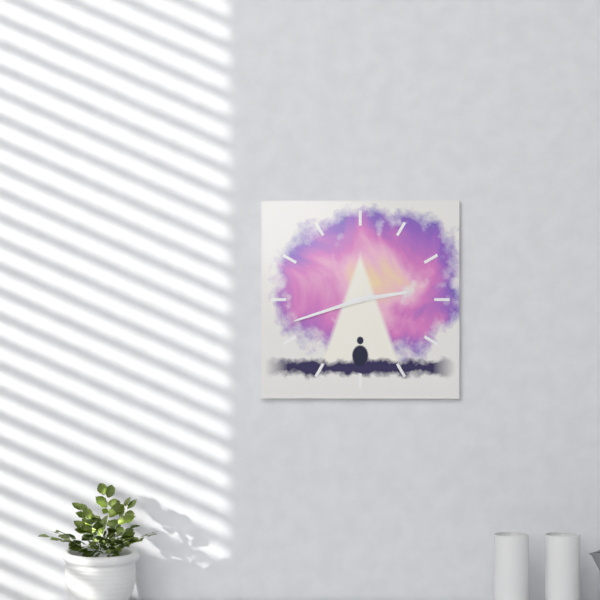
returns 2,42
